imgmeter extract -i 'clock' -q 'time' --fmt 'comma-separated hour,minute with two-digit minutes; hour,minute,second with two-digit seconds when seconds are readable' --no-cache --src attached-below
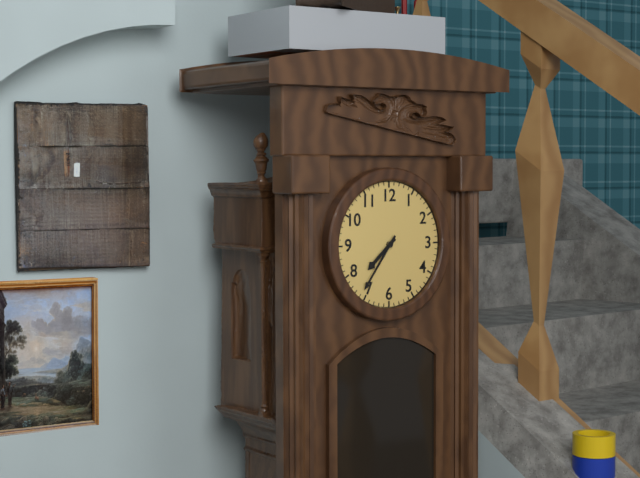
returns 7,36
